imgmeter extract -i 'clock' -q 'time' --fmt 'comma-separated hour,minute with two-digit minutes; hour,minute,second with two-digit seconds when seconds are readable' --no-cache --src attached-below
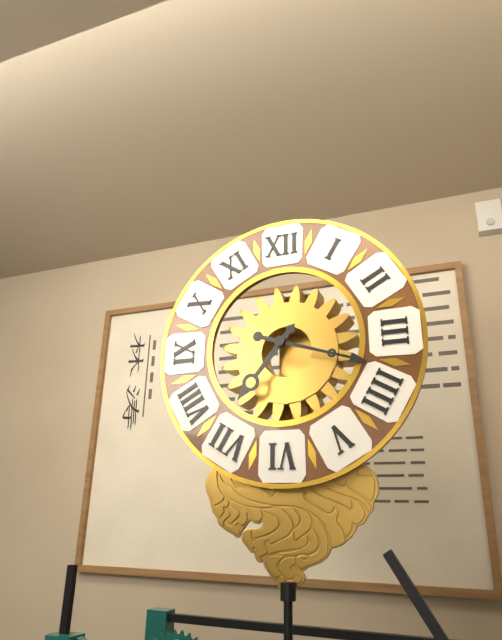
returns 7,18
